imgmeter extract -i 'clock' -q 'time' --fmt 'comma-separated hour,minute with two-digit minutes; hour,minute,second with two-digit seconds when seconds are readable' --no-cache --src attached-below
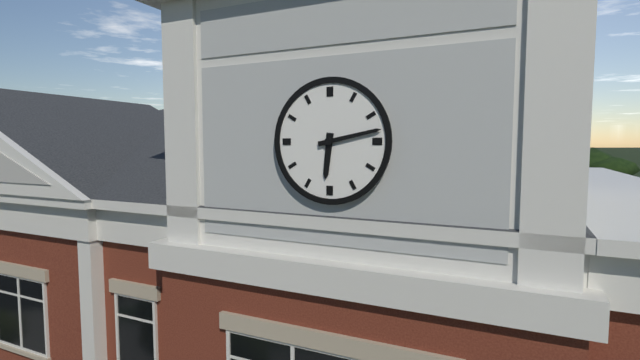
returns 6,13
